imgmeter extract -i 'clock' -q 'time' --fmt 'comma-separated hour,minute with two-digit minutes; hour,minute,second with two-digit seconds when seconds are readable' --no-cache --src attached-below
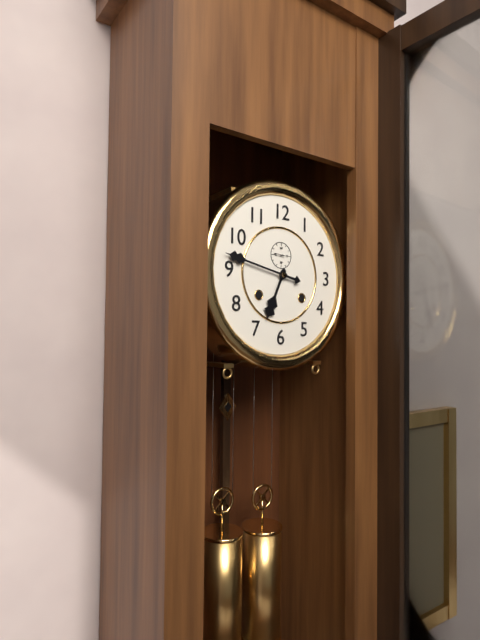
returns 6,47
